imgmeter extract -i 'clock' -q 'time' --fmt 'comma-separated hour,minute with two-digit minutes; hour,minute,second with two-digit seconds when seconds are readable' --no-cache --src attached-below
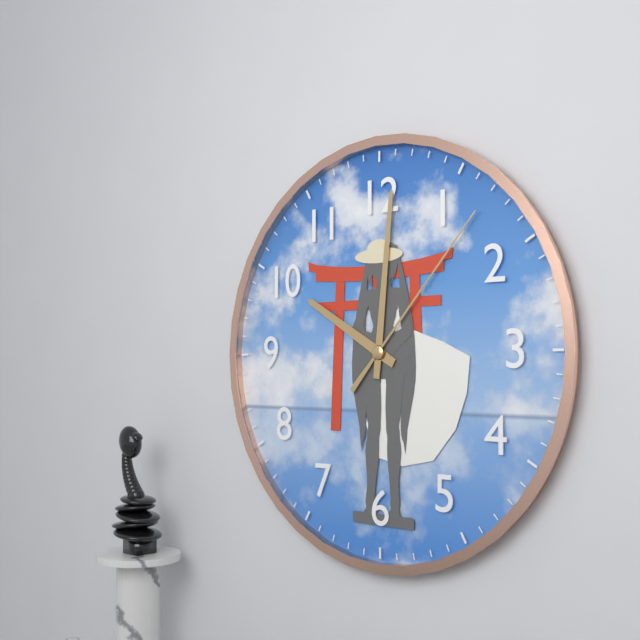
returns 10,01,07
